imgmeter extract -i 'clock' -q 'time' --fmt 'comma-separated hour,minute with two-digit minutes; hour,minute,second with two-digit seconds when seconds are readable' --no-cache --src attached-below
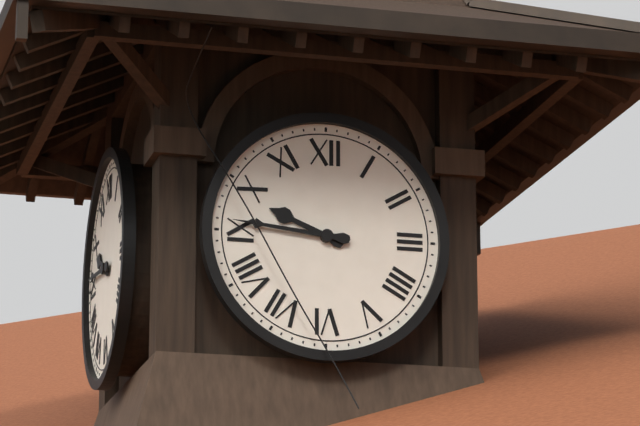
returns 9,46
